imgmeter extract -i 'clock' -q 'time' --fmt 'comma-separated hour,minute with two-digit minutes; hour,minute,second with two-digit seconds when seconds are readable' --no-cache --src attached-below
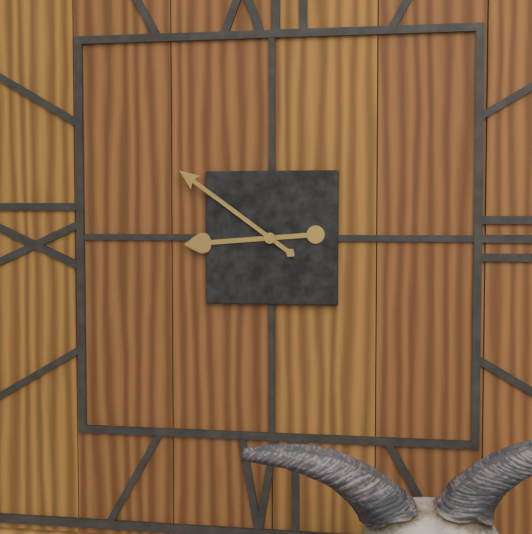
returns 8,51
